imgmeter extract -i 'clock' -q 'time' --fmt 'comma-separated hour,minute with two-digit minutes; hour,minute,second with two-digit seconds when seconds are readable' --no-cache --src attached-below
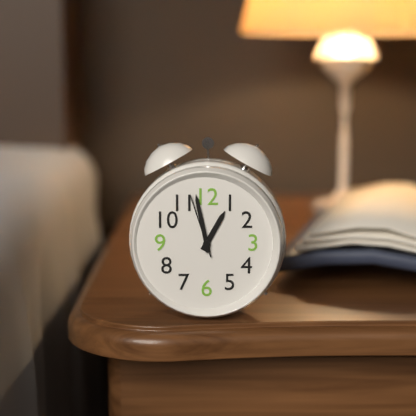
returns 12,58,57
